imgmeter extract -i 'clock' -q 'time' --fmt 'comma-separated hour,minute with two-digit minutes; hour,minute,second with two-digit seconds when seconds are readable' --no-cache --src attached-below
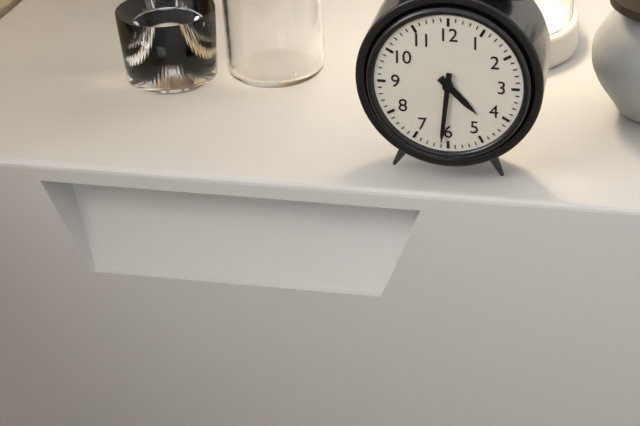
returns 4,31
